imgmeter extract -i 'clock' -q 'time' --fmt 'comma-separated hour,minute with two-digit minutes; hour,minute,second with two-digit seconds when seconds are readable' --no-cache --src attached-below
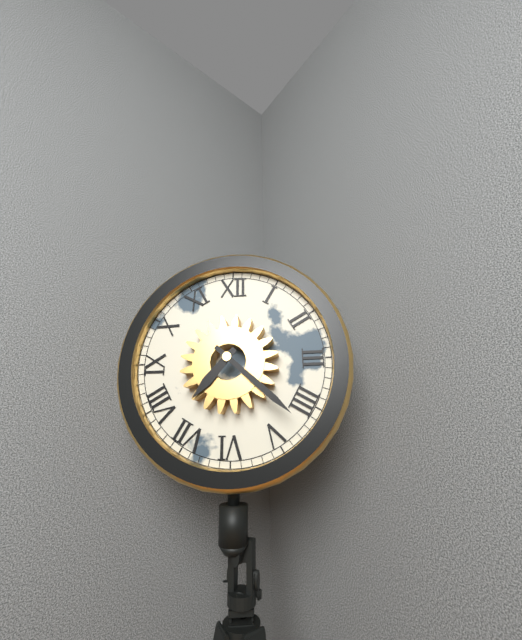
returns 7,22
